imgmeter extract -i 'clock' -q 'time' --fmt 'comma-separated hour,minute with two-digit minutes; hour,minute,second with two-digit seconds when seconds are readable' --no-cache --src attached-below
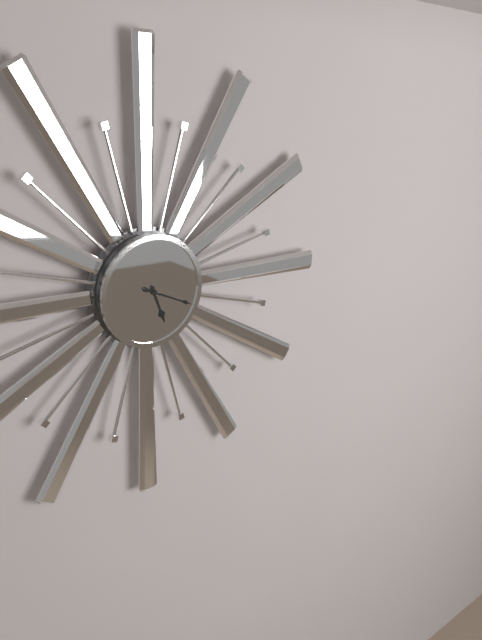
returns 5,19
